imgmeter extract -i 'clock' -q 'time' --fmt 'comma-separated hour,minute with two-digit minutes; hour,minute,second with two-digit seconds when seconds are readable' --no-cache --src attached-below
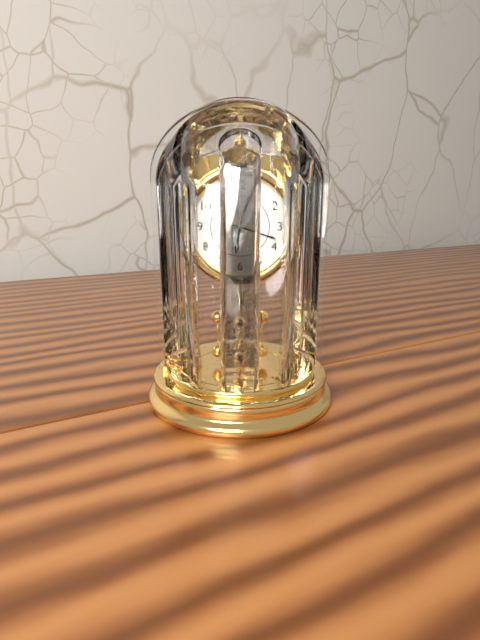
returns 6,18
